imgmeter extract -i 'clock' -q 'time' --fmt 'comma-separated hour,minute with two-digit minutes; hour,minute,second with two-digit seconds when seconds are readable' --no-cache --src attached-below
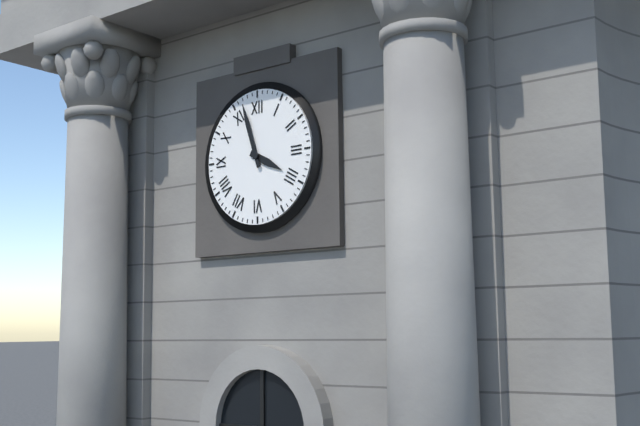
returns 3,57
